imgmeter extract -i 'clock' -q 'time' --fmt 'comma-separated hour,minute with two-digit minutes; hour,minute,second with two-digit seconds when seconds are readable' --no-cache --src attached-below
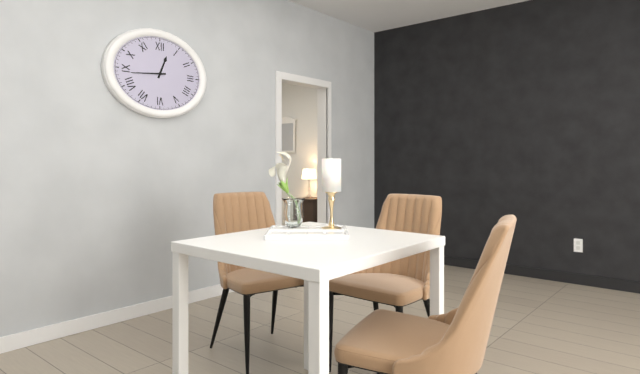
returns 12,44
